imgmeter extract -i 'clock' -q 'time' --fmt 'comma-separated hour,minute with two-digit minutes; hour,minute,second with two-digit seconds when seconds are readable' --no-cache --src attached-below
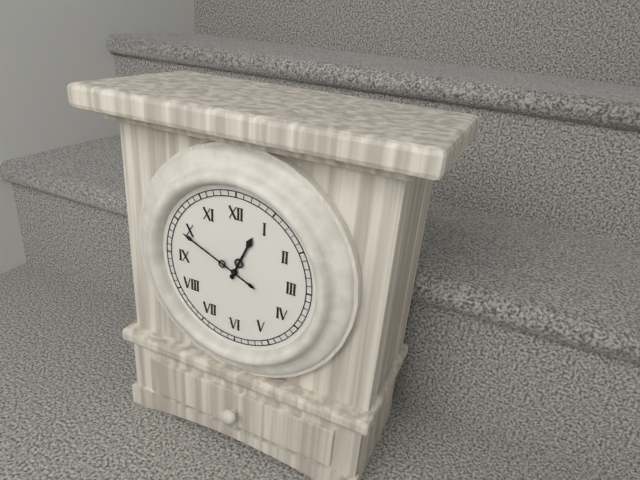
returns 12,49
